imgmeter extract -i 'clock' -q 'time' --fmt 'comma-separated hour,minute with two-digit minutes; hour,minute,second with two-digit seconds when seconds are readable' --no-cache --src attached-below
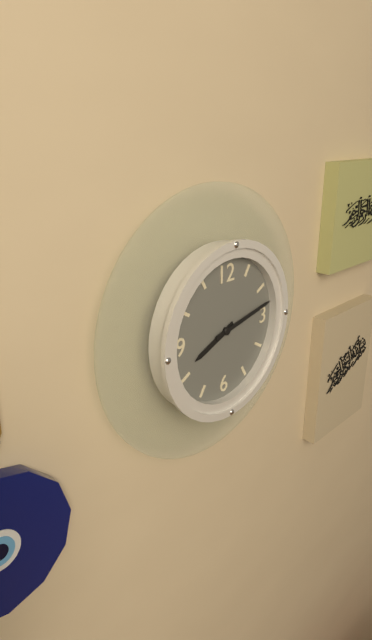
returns 8,13
